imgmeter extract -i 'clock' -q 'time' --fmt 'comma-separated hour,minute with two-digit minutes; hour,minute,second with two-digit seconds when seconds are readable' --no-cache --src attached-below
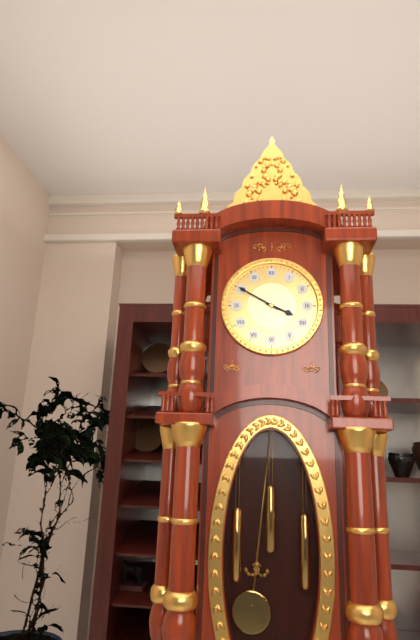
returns 3,50
